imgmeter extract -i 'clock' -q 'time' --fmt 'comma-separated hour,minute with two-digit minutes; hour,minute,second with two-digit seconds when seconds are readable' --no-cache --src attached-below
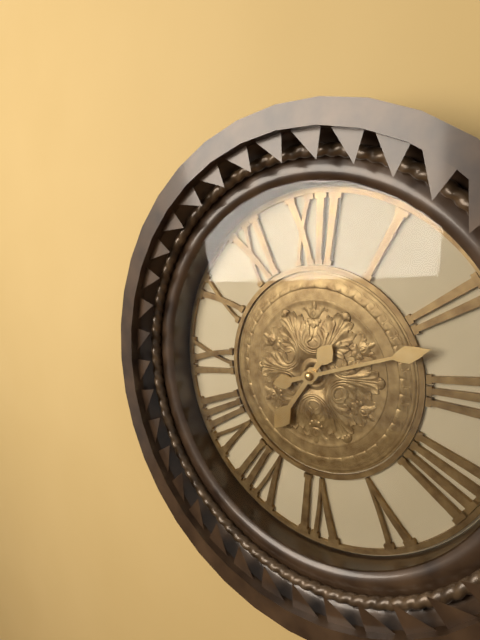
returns 7,12
